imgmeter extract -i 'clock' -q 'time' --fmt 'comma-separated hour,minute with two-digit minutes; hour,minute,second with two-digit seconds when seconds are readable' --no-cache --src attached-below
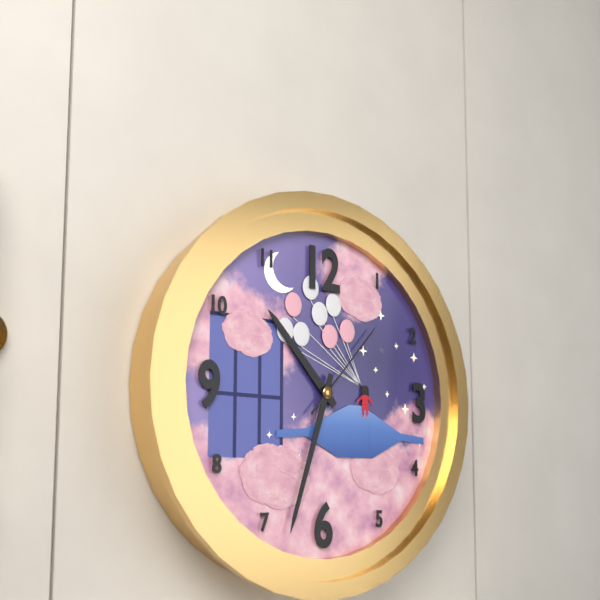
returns 10,33,07
